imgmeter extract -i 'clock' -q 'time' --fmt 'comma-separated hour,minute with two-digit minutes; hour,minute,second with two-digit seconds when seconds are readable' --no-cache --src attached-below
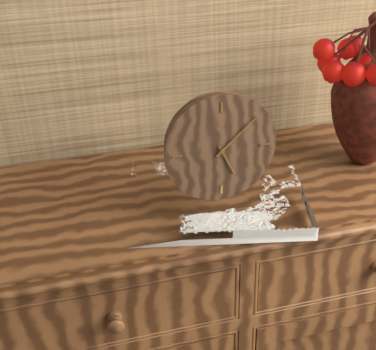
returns 5,08
